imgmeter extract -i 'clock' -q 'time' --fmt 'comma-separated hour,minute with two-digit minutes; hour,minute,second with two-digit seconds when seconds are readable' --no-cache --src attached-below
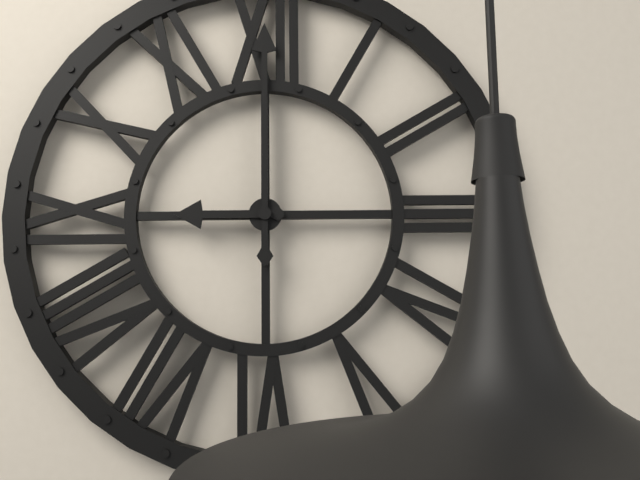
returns 9,00
